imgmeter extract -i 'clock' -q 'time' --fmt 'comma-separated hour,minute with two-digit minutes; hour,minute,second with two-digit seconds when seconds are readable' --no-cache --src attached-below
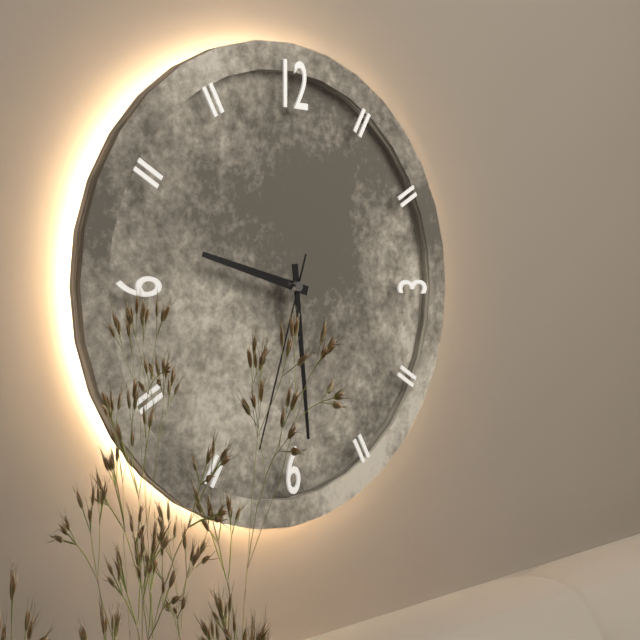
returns 9,29,33
